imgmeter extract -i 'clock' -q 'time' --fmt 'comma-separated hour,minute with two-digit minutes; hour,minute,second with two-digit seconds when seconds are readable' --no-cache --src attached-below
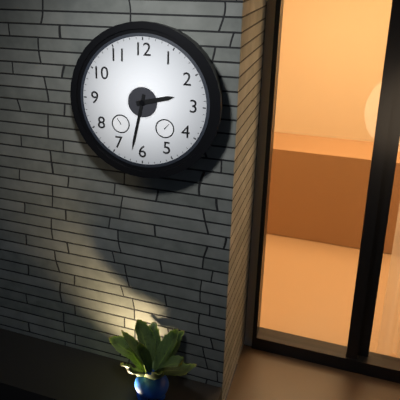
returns 2,32
